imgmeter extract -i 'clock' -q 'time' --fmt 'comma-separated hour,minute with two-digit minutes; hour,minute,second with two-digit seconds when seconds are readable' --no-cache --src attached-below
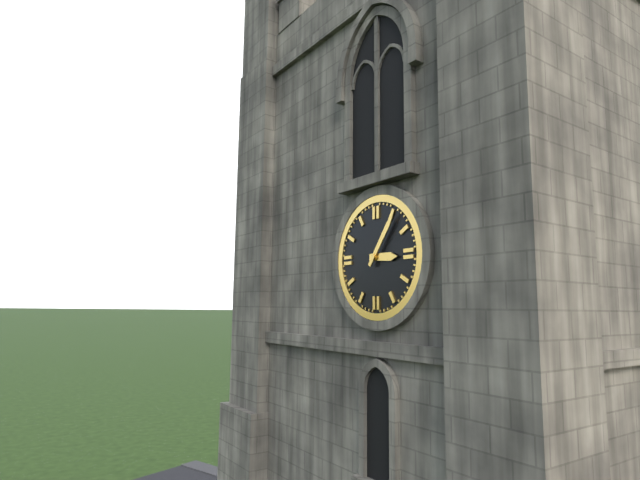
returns 3,06
